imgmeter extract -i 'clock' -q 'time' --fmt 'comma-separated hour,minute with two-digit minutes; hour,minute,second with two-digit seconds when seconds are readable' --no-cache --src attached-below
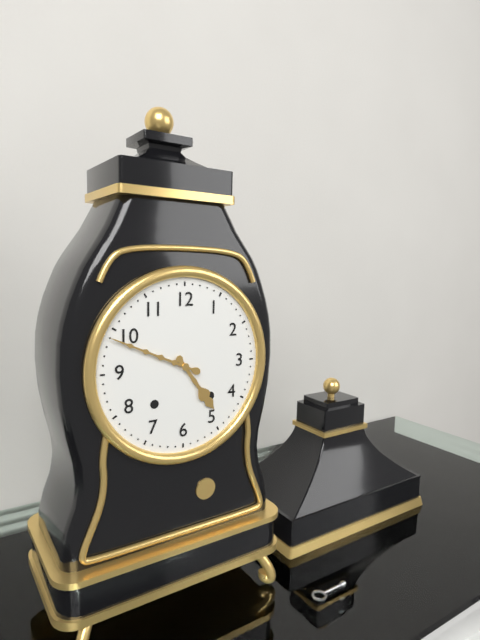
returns 4,49
